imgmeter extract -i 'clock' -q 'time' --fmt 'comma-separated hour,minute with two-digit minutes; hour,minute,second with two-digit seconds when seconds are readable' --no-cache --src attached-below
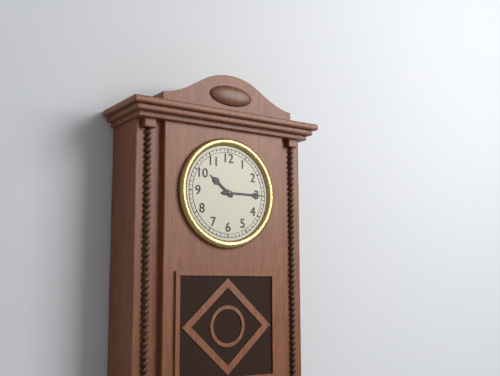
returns 10,15
